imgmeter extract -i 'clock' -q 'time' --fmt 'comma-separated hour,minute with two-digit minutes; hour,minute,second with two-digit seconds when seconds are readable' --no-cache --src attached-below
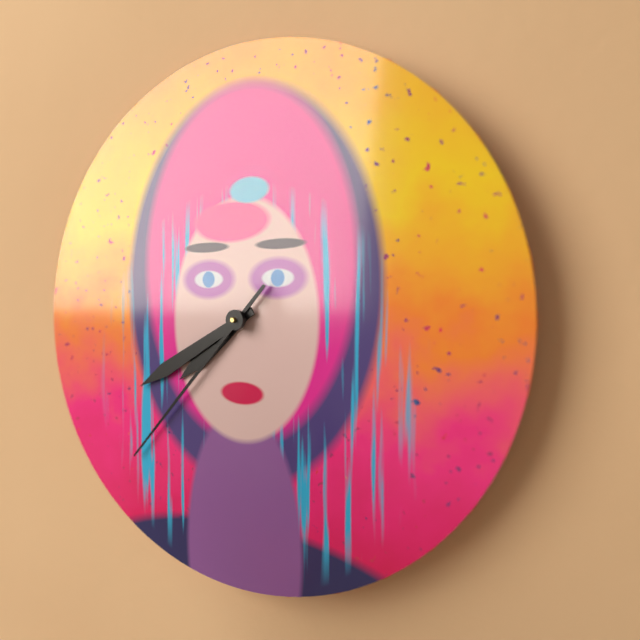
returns 7,40,37
